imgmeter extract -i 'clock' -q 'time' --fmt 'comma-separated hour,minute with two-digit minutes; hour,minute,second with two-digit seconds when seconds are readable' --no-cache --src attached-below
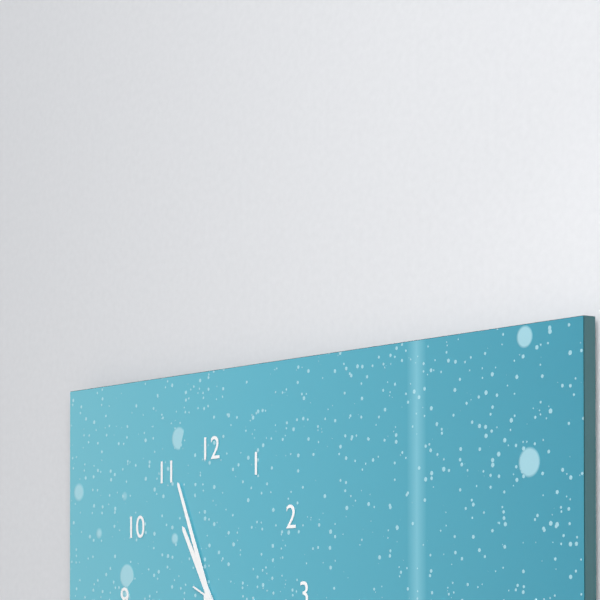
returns 10,56
